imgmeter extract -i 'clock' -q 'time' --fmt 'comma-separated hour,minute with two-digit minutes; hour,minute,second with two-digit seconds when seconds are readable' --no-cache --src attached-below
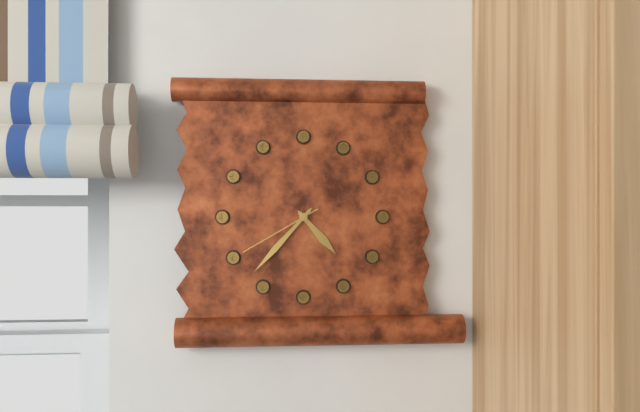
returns 4,37,40
